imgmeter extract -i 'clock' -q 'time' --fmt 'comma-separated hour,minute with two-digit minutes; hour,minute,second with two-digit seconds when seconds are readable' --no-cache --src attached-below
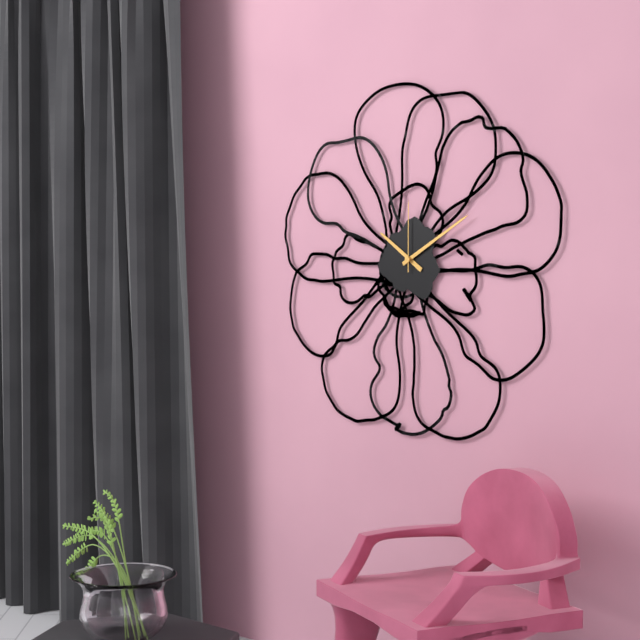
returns 10,10,00
